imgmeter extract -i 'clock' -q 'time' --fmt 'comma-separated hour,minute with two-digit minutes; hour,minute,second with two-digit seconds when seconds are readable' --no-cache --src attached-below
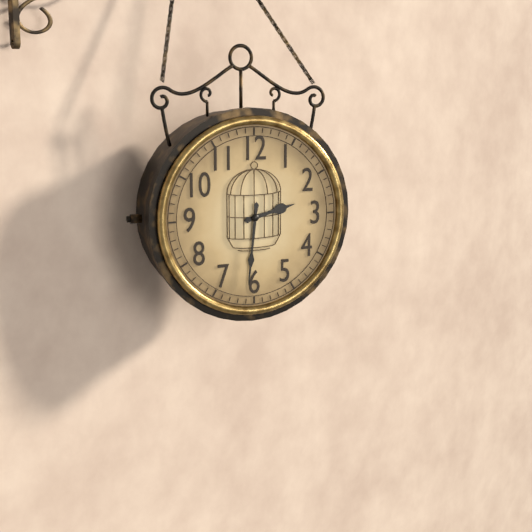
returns 2,31
